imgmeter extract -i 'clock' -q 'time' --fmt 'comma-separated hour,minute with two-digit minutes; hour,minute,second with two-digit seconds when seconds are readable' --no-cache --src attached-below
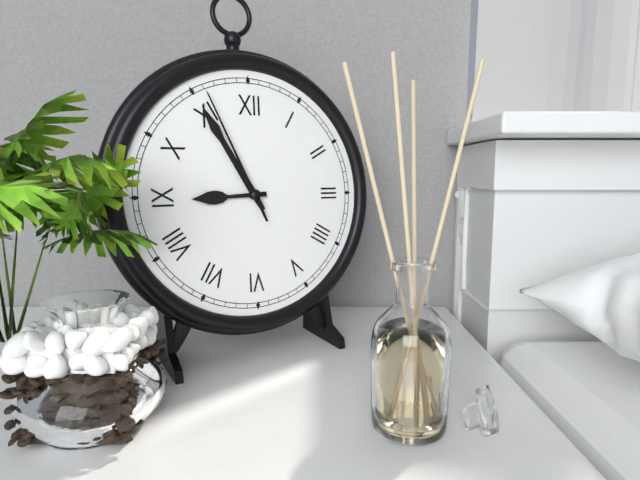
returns 8,55,56
